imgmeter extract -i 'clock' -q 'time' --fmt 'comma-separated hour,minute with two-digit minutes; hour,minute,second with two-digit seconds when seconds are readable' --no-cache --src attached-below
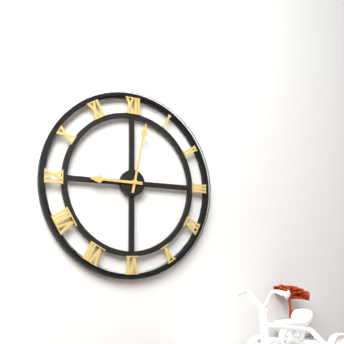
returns 9,02
